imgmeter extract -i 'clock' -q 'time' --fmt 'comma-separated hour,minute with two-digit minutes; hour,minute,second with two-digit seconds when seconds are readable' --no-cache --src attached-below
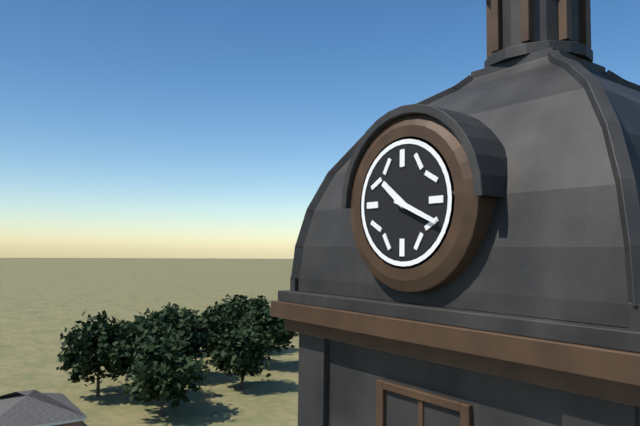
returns 10,19
